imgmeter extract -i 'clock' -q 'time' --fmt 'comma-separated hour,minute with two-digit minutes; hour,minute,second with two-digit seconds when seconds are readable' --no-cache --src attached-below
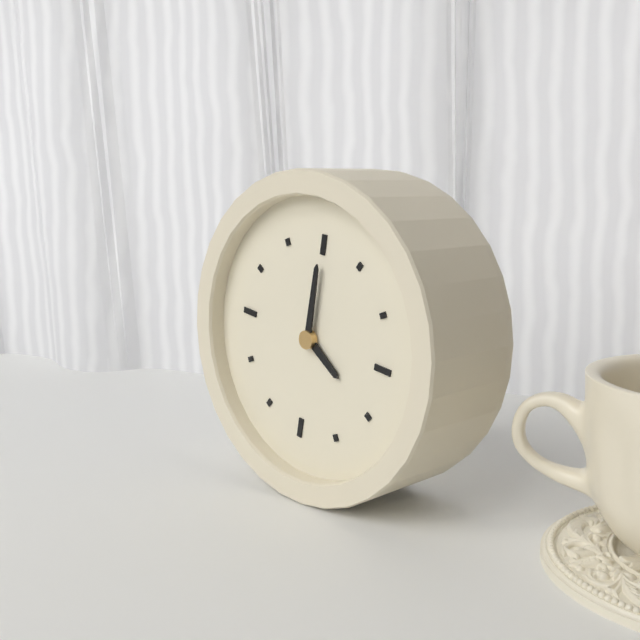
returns 4,00
